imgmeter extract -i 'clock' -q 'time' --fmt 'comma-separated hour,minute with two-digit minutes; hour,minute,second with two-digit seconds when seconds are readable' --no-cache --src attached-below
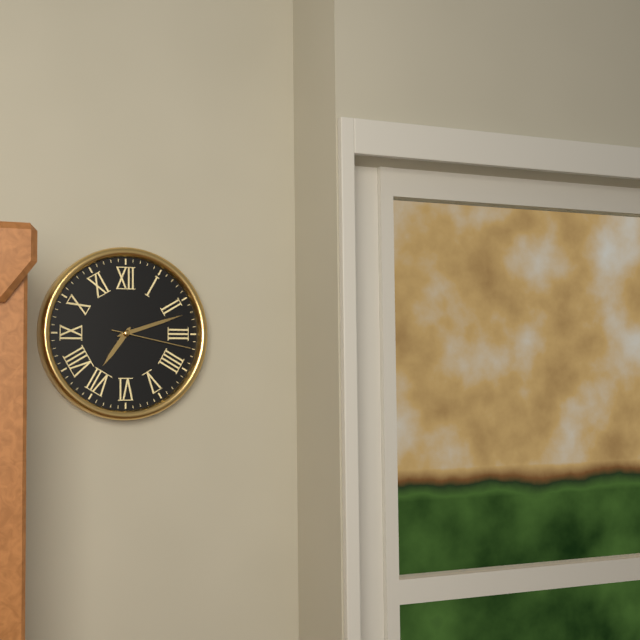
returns 7,12,17
